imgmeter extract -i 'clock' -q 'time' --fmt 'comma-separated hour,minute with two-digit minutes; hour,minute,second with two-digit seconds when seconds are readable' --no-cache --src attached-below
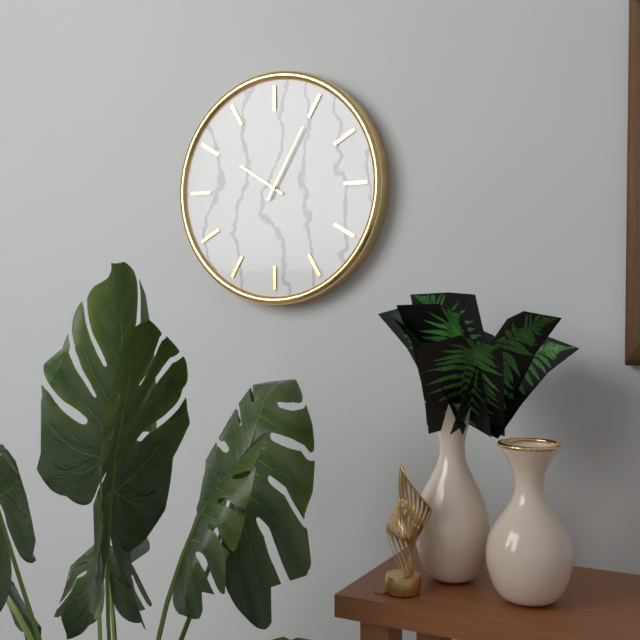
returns 10,05
